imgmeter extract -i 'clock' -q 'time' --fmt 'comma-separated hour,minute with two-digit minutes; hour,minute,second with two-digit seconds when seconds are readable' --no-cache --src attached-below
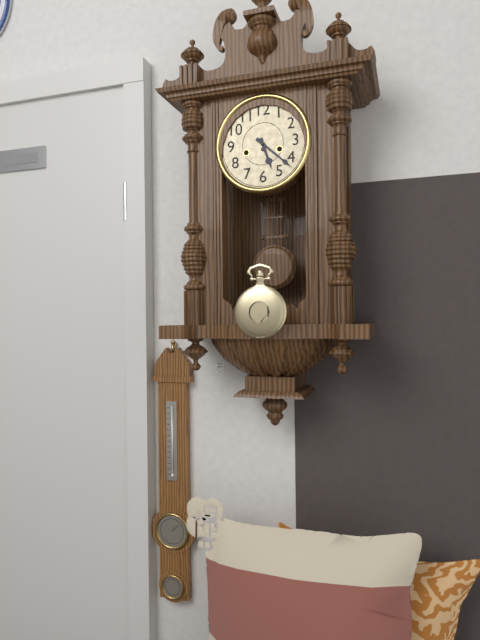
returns 5,22
